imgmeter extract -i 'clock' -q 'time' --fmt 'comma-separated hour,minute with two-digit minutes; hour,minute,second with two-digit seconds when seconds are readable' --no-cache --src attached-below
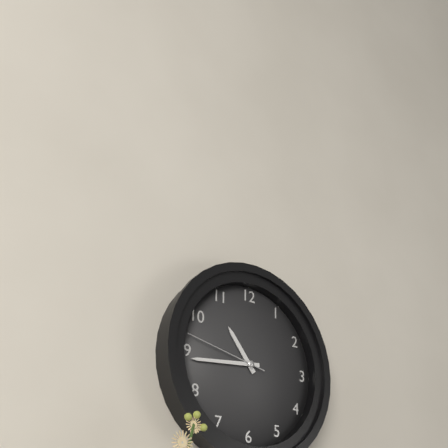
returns 10,44,47
